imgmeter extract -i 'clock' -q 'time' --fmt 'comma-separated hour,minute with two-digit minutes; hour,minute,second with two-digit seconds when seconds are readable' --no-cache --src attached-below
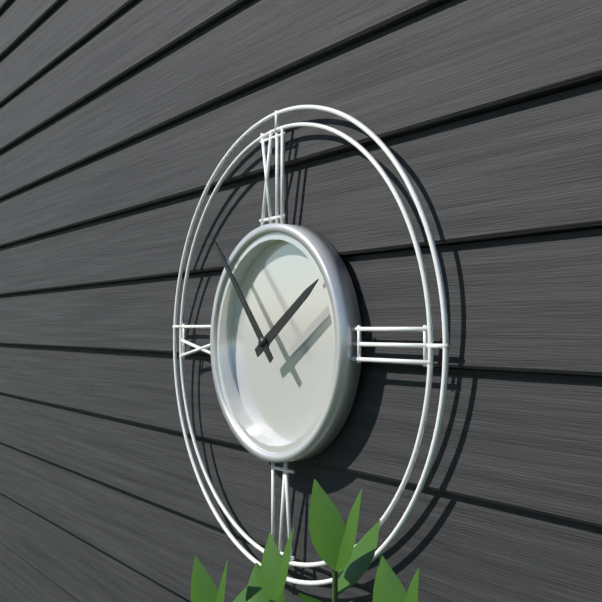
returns 1,53
